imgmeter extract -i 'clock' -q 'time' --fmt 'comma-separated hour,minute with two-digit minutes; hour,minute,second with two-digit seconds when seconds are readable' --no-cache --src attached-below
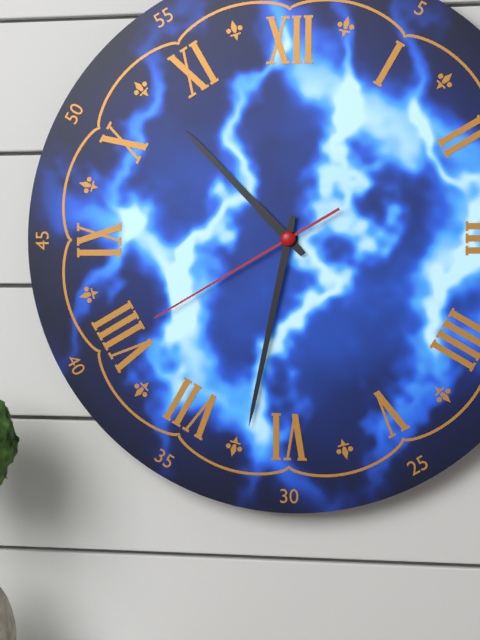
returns 10,32,40
